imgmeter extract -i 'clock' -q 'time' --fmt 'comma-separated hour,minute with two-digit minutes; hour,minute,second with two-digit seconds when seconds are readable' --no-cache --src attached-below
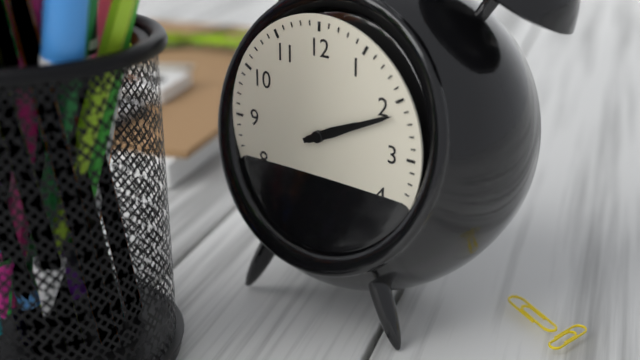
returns 2,11
